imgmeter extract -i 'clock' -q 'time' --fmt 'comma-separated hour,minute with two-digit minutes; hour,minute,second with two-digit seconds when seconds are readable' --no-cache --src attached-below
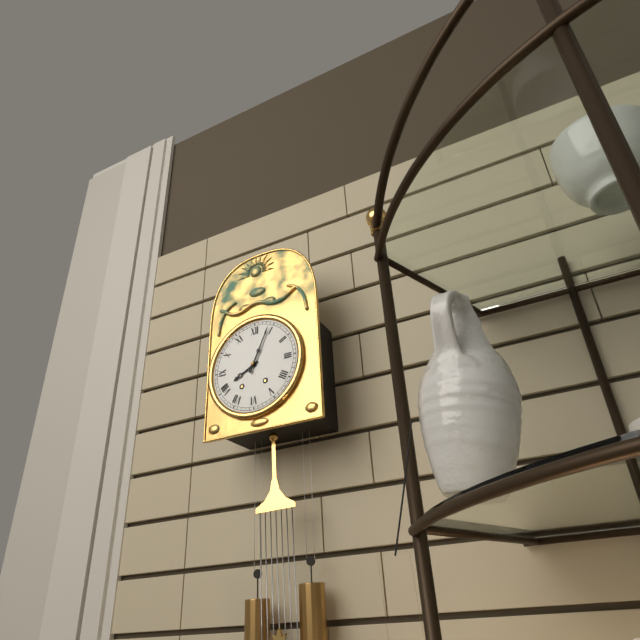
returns 8,04
